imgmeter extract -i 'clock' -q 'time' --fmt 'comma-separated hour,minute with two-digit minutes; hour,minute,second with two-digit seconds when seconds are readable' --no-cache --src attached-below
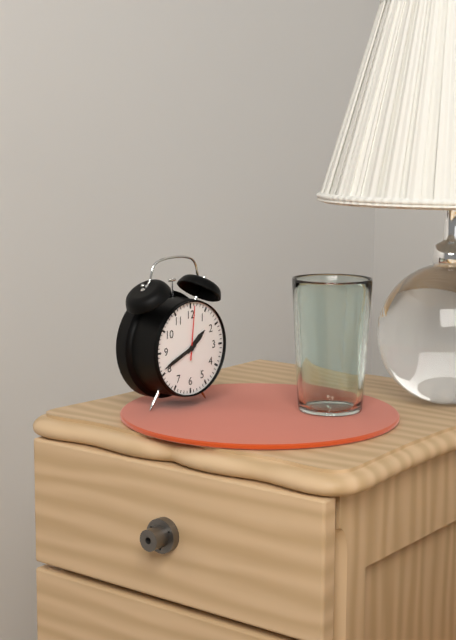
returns 1,41,01
